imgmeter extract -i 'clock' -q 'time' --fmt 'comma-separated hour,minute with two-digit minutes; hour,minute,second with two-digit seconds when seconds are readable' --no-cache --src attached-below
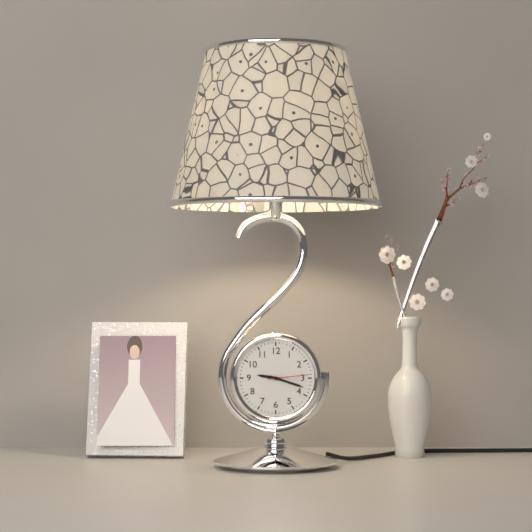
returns 9,18
